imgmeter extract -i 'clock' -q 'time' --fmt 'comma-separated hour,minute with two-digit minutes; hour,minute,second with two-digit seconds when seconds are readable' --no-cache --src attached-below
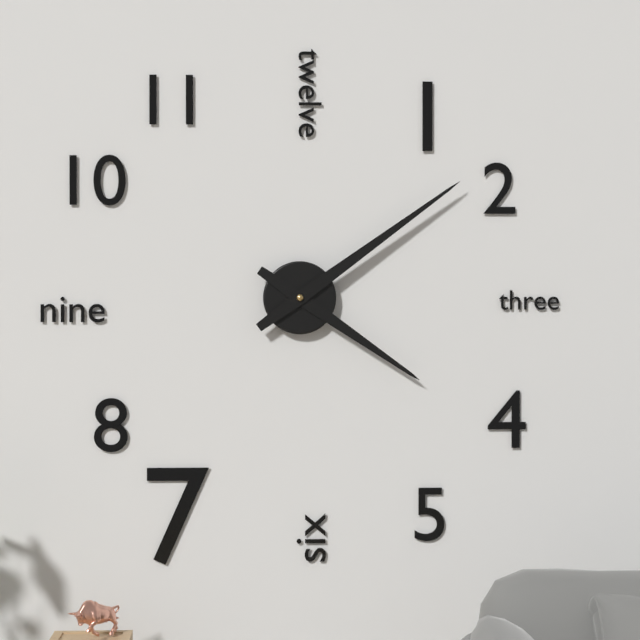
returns 4,09
